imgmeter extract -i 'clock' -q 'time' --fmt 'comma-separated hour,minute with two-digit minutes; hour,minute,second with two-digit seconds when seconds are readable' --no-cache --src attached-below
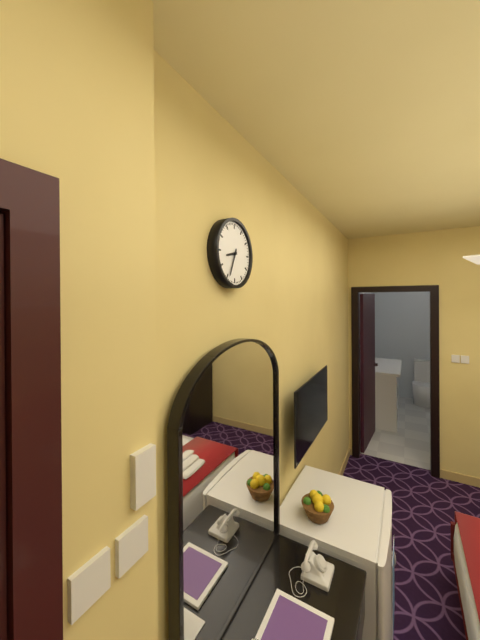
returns 8,34
